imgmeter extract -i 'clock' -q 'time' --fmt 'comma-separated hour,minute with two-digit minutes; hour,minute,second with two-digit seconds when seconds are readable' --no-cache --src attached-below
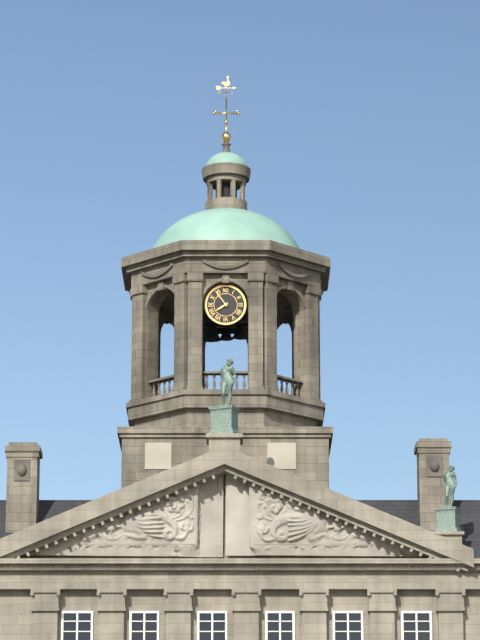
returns 7,54
